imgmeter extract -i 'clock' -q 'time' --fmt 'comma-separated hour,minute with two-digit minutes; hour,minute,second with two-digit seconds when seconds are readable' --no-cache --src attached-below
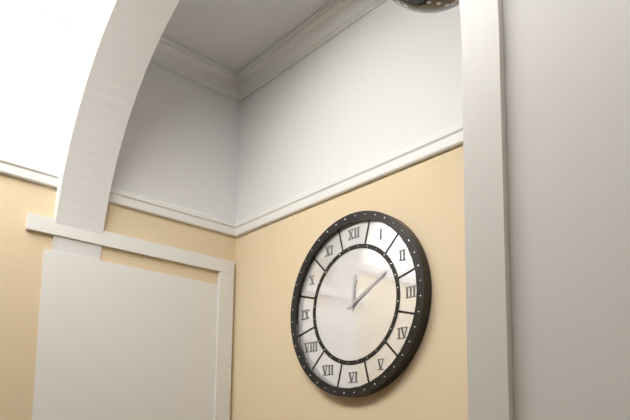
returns 12,10
